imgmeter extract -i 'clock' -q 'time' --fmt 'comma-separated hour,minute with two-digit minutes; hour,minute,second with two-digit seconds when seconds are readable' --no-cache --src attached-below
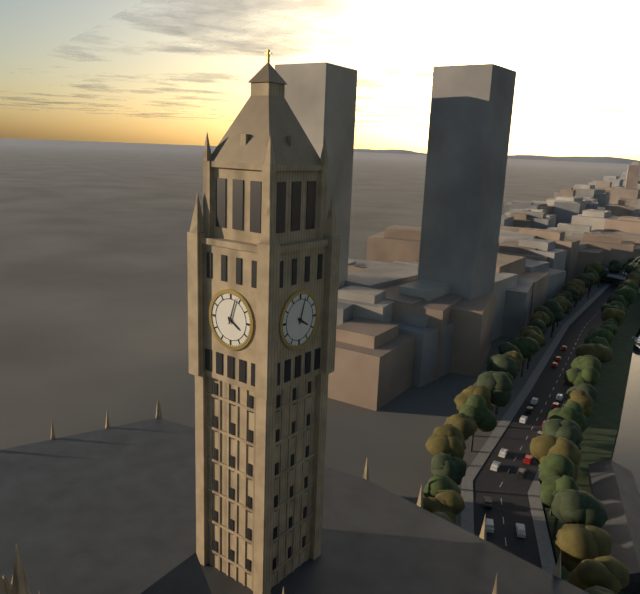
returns 4,03
